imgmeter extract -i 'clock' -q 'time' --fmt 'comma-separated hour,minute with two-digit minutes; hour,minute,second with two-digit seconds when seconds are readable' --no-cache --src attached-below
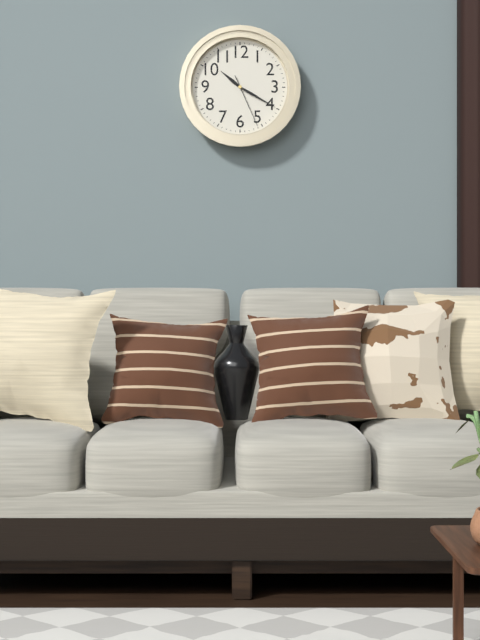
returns 10,20,26
